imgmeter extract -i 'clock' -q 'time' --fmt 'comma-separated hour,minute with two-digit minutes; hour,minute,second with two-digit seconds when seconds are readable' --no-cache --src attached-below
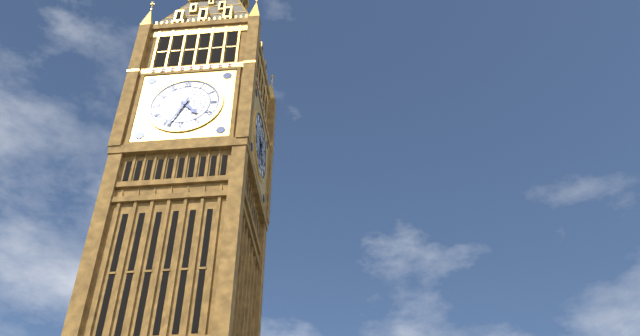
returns 4,34
